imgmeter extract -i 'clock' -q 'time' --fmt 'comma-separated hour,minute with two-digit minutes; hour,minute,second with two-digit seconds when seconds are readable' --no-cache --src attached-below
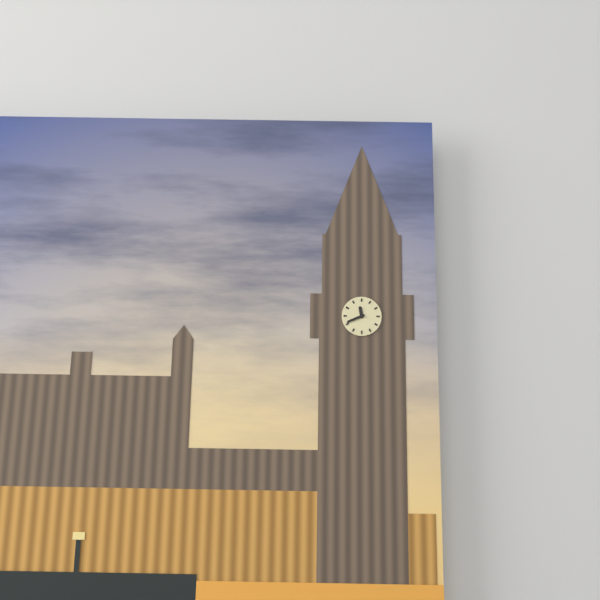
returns 11,41
